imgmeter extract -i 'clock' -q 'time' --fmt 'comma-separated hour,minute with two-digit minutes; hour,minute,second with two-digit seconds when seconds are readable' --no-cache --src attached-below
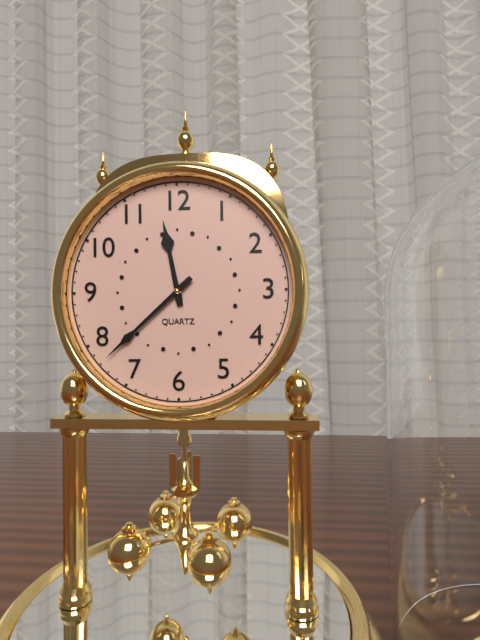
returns 11,38
